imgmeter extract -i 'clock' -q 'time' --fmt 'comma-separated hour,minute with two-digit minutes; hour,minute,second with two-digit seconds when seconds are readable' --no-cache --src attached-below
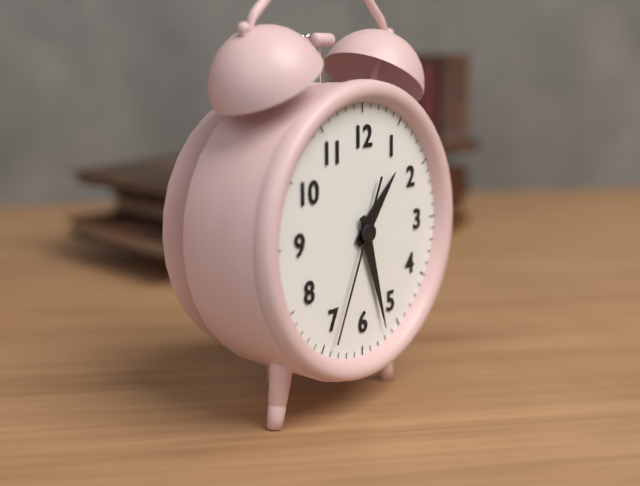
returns 1,27,34
